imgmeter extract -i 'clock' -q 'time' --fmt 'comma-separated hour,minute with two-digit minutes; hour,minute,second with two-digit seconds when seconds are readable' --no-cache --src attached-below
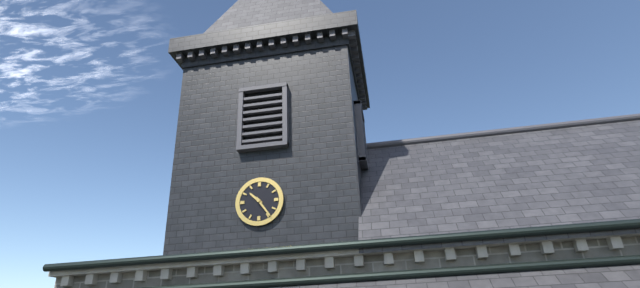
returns 10,24
